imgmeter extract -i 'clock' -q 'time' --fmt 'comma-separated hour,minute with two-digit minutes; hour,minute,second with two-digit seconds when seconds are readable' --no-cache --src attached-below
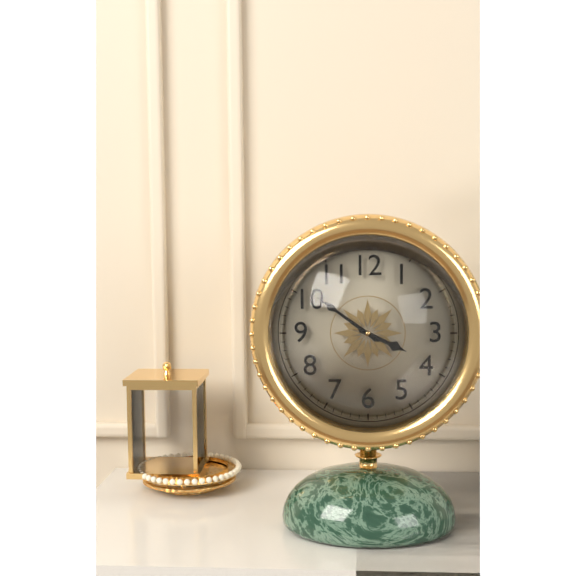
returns 3,51
